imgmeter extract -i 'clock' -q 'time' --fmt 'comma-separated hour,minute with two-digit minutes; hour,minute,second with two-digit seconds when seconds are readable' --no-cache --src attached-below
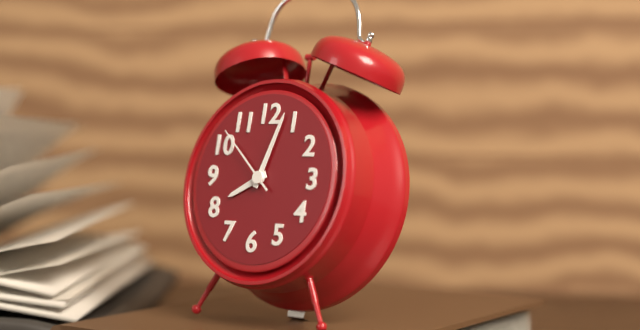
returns 8,03,52
